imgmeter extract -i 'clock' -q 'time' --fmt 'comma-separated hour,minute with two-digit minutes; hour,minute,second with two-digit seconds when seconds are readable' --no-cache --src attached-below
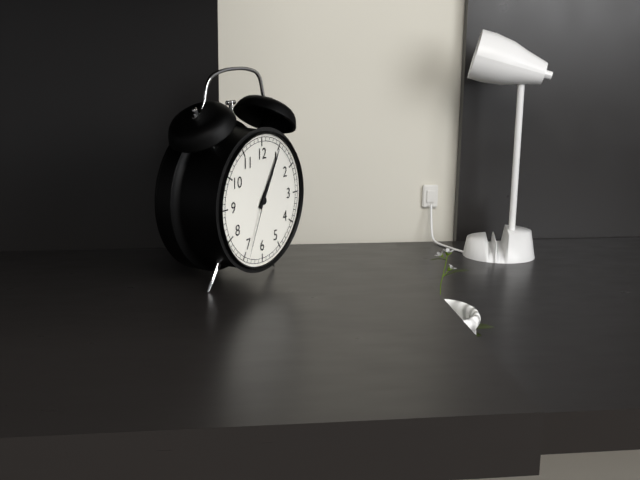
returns 1,05,34
